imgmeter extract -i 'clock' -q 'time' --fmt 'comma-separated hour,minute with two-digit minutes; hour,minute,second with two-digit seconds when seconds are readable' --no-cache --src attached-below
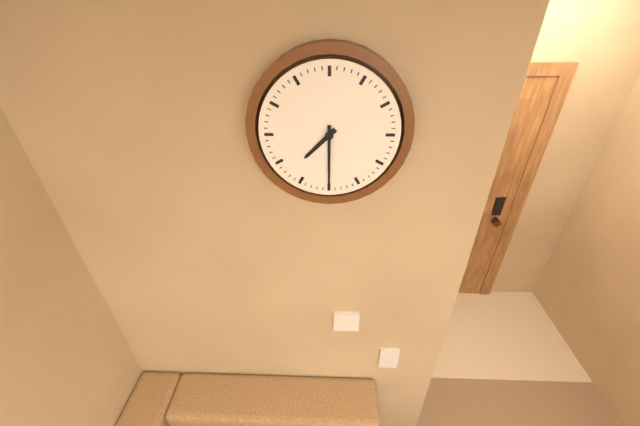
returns 7,30
